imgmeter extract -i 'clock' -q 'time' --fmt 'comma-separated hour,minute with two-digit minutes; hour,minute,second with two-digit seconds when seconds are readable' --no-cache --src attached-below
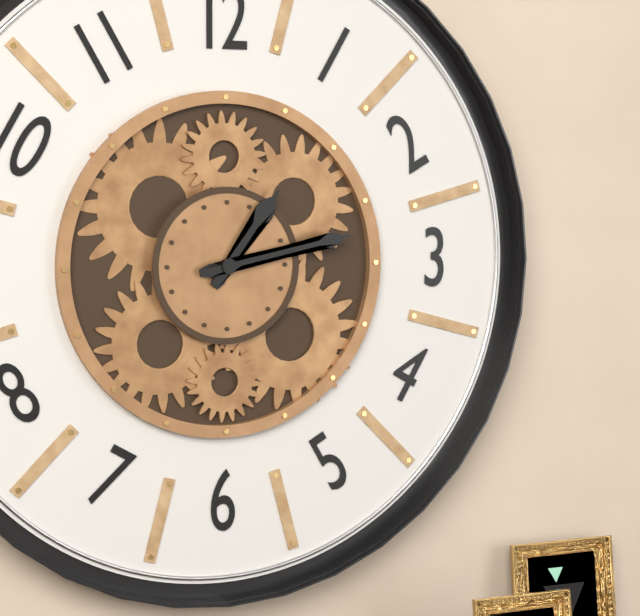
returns 1,13
